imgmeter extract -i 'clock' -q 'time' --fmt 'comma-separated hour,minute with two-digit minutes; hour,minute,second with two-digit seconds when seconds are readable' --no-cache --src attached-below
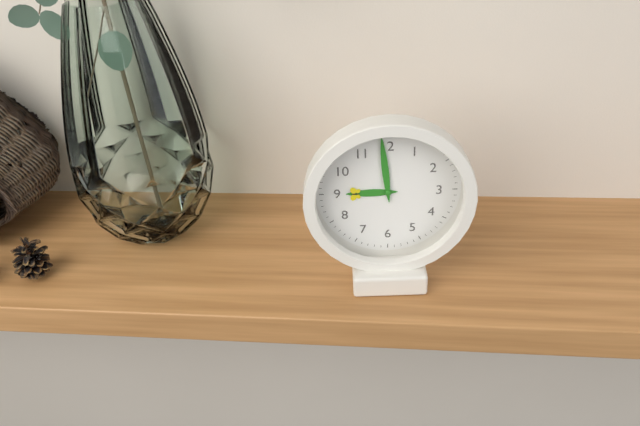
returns 8,59
